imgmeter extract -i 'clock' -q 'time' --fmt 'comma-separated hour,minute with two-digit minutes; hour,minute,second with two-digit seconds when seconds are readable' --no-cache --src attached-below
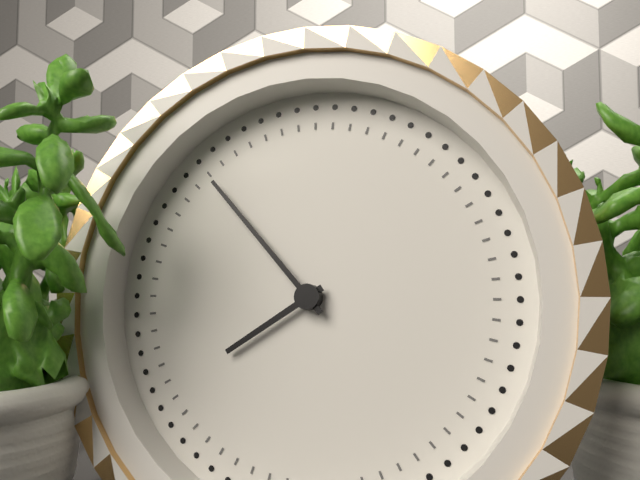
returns 7,53
